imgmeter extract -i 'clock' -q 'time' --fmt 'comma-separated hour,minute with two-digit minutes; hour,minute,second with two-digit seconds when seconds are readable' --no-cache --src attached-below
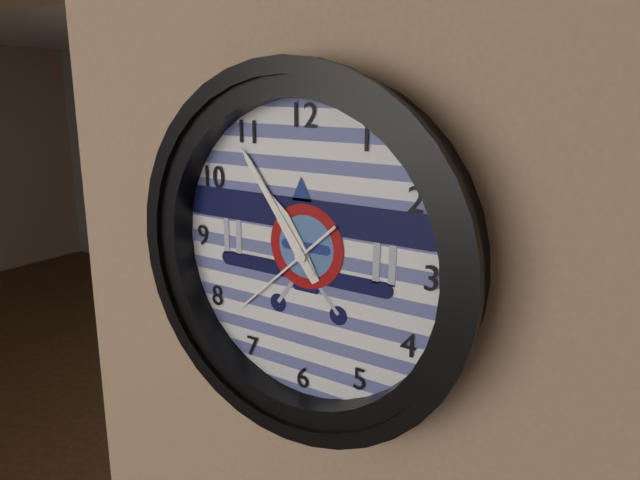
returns 10,54,38
